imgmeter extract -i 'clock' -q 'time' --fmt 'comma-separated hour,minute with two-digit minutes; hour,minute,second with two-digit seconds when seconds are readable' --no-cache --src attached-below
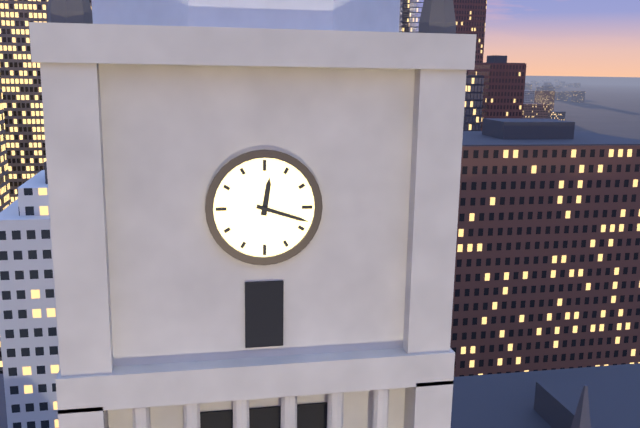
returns 12,18
